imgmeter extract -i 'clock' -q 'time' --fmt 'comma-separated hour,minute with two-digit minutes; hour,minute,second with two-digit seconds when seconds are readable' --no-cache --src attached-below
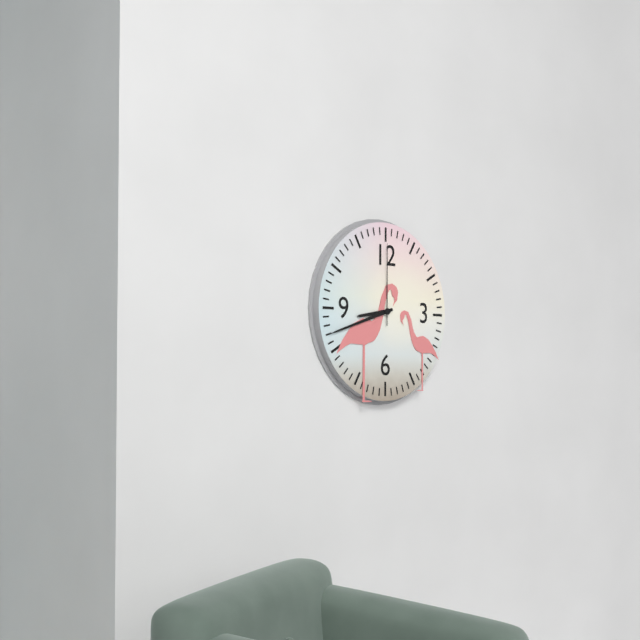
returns 8,42,00
